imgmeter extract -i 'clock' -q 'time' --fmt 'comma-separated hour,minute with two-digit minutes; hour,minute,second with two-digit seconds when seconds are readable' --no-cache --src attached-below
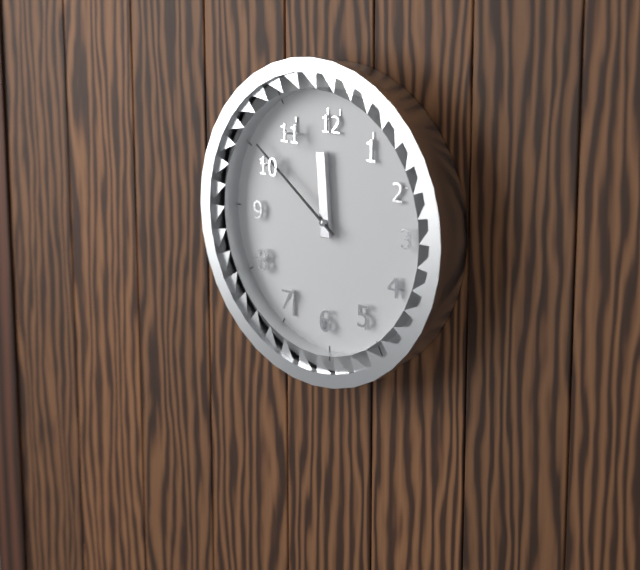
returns 11,51
